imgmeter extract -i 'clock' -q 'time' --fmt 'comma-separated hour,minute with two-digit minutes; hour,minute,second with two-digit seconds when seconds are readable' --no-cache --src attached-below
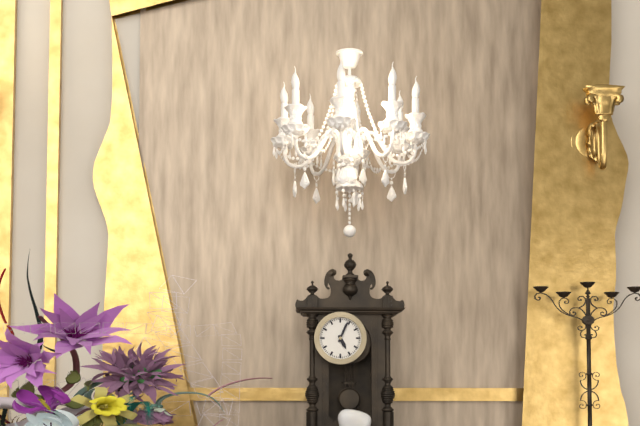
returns 5,04
